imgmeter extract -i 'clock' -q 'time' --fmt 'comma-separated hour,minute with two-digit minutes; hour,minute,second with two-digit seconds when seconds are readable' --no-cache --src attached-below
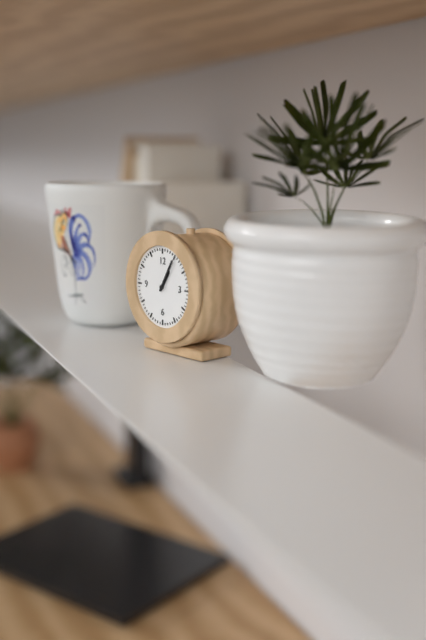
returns 1,05
